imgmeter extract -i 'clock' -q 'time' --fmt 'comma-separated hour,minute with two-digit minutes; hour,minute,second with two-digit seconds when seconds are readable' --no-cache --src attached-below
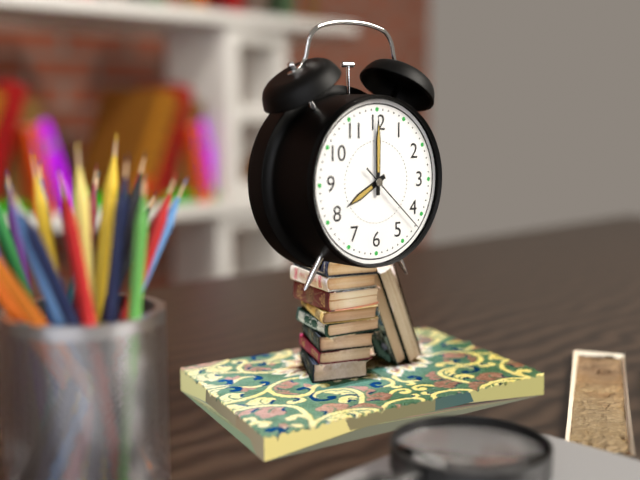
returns 8,00,22
